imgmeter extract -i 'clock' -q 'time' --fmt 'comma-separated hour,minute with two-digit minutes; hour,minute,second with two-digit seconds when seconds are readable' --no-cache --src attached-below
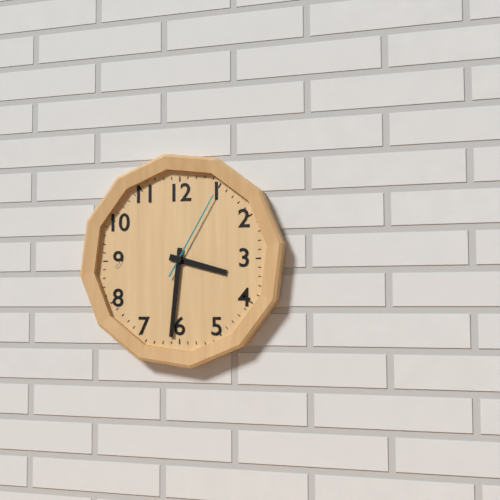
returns 3,31,05
